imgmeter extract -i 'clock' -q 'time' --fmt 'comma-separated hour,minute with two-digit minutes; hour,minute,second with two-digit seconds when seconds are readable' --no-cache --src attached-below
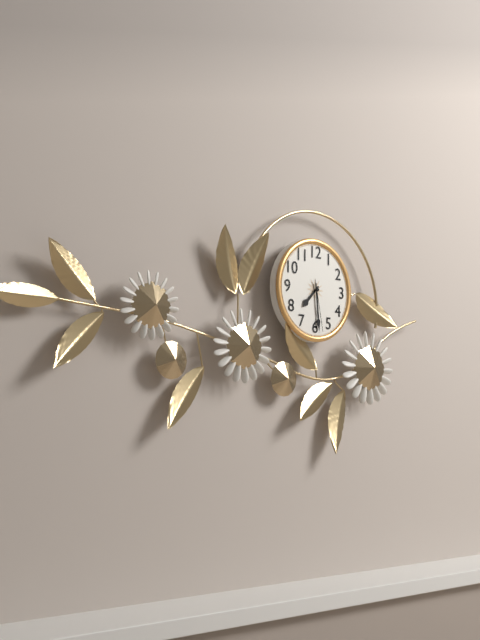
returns 7,29,28
